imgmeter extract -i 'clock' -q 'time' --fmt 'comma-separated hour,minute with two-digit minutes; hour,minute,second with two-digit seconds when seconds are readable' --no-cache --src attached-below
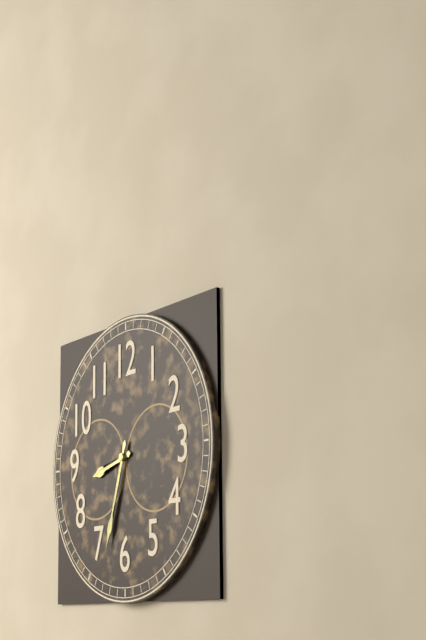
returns 8,33
